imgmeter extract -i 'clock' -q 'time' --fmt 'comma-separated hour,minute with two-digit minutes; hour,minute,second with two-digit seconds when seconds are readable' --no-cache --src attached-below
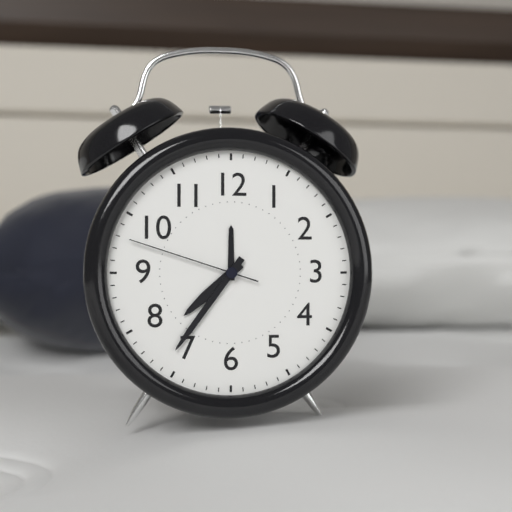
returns 7,36,48
